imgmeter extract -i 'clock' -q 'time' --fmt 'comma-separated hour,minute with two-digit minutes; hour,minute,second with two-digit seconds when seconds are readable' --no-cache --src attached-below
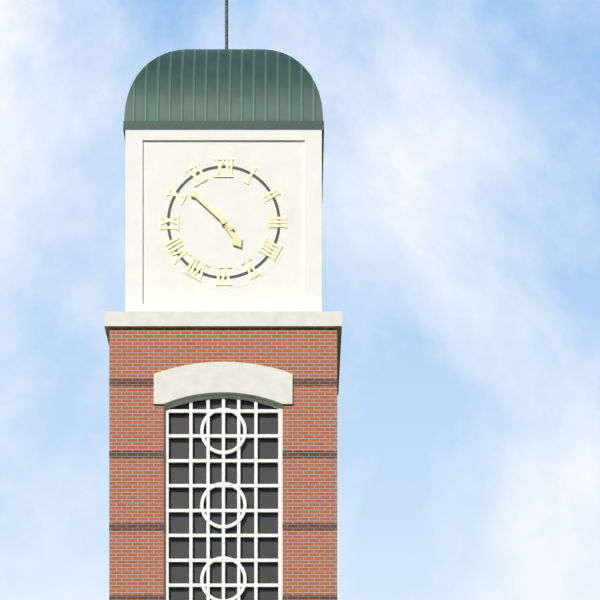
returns 4,52
